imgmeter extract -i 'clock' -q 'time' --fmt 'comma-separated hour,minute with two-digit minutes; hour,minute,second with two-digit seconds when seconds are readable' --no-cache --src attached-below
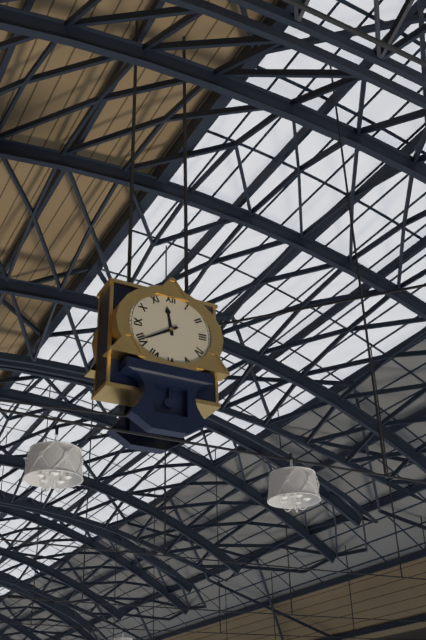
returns 11,40
